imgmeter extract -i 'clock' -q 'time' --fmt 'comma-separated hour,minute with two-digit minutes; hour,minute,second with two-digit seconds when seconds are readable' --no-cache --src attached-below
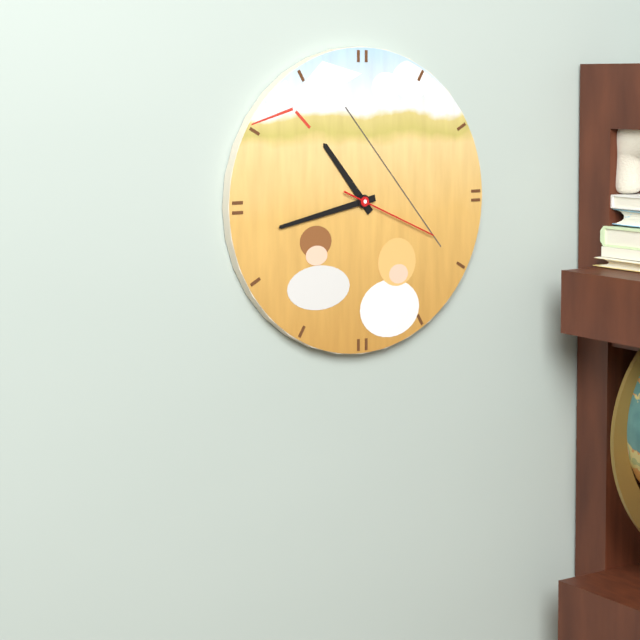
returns 10,43,19
